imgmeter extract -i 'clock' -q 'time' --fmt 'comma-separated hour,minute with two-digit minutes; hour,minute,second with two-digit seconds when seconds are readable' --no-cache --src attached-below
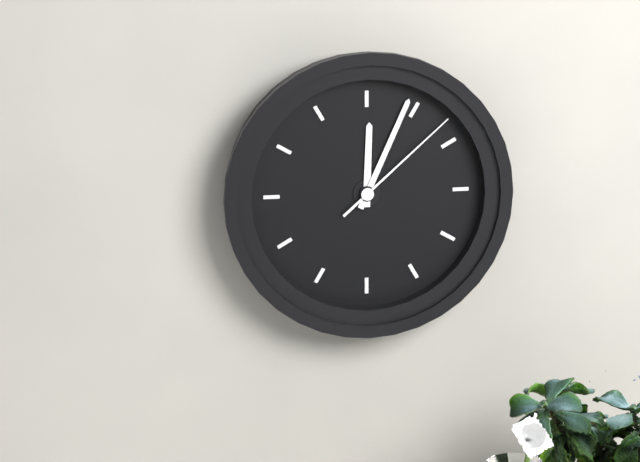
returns 12,04,08
